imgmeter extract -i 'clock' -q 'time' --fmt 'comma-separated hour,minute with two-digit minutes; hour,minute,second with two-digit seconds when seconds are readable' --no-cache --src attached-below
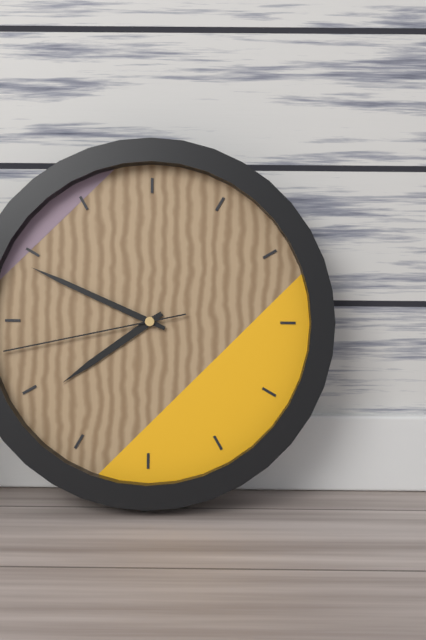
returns 7,49,43
